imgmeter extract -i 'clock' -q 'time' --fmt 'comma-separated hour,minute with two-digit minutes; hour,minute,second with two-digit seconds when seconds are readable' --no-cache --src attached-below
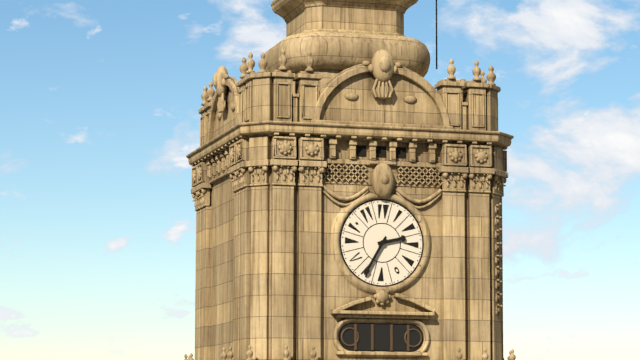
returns 2,35
